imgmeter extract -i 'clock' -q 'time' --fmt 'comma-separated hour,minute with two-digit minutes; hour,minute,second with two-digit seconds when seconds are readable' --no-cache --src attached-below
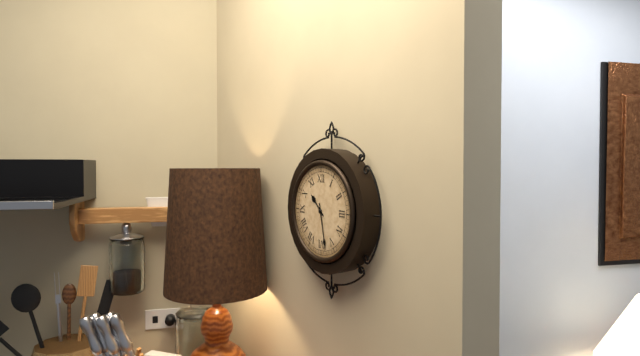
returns 10,28
